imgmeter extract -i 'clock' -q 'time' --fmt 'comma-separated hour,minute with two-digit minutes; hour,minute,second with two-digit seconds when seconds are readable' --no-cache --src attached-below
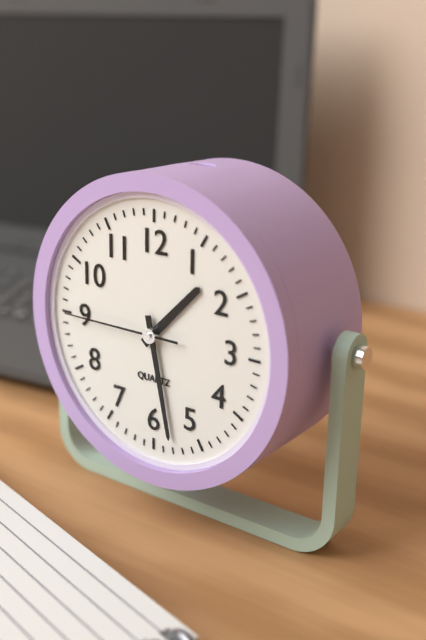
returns 1,28,45
